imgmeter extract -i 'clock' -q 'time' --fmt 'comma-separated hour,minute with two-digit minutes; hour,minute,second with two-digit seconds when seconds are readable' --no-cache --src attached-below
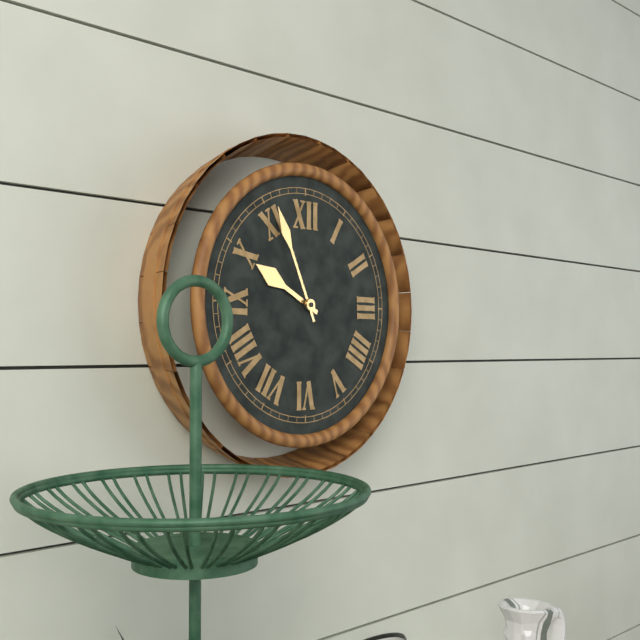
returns 9,56
